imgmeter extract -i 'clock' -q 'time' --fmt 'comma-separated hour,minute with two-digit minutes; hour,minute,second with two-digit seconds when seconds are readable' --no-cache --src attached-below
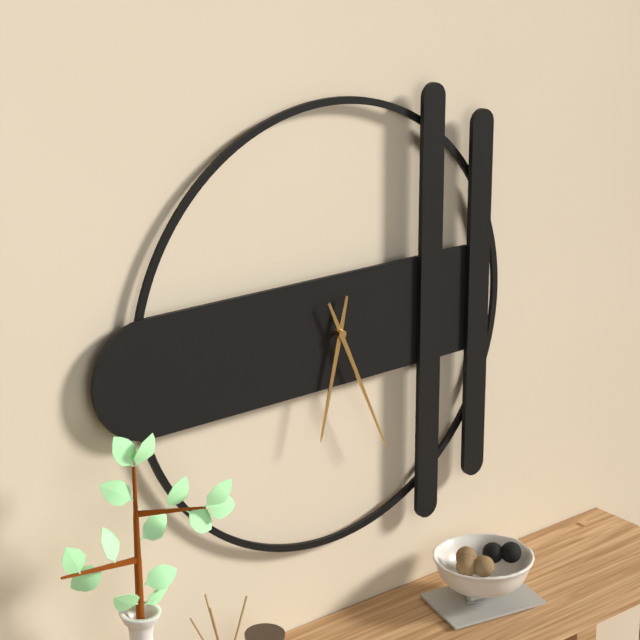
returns 6,26
